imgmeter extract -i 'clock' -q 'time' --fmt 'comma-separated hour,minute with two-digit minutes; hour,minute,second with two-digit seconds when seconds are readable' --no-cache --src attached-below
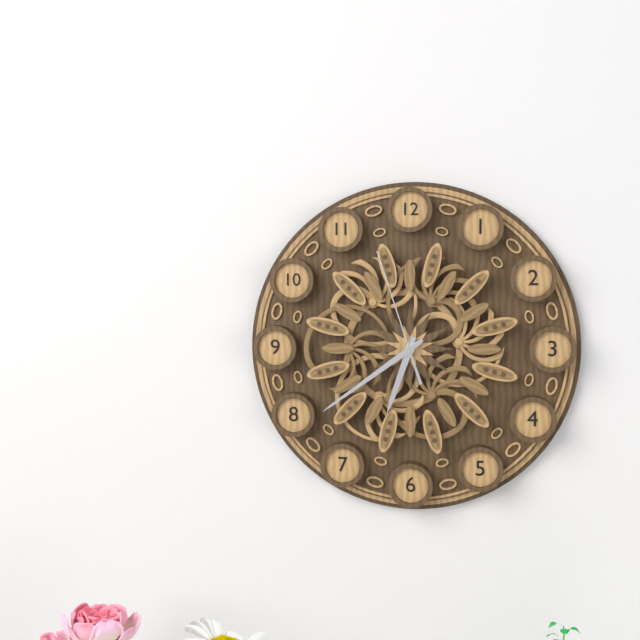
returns 6,39,57
